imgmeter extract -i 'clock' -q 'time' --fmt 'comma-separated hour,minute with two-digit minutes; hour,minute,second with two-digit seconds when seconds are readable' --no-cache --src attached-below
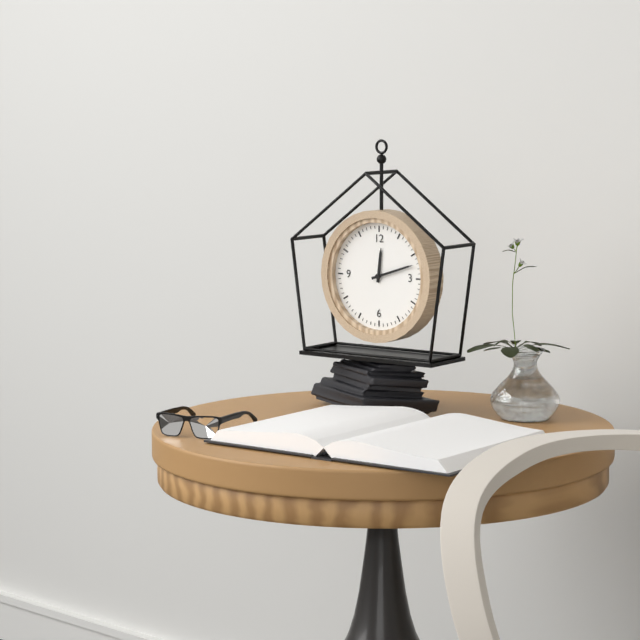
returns 12,12
